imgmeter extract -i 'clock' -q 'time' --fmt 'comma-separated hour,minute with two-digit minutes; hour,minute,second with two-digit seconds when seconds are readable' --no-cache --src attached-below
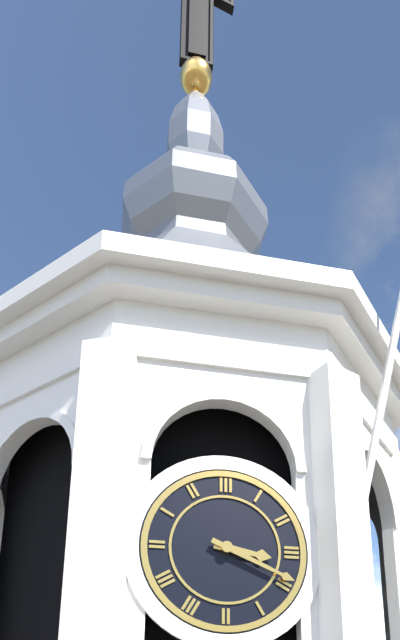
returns 3,19
